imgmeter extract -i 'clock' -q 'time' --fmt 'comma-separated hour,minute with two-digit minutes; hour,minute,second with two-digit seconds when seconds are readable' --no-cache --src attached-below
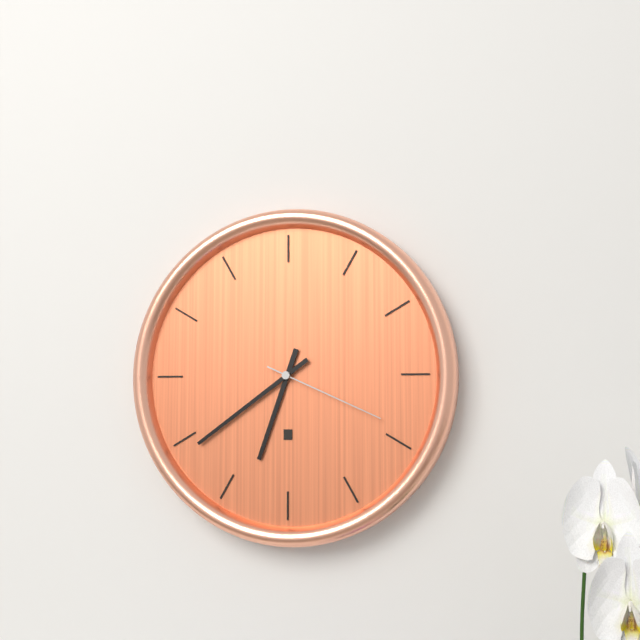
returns 6,39,19
